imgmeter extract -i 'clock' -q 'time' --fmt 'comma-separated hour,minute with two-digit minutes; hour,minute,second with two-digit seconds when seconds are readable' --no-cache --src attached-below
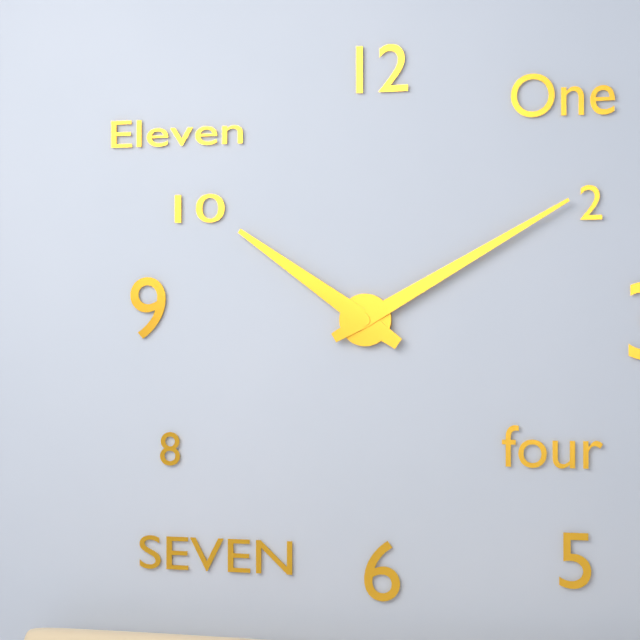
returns 10,10
